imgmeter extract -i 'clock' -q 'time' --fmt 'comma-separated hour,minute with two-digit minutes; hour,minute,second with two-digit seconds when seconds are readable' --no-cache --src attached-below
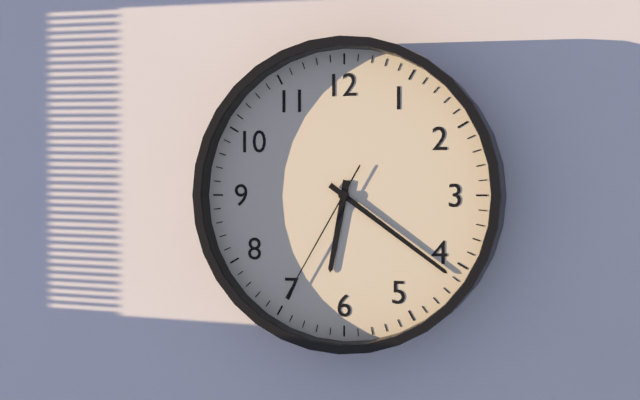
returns 6,21,35
